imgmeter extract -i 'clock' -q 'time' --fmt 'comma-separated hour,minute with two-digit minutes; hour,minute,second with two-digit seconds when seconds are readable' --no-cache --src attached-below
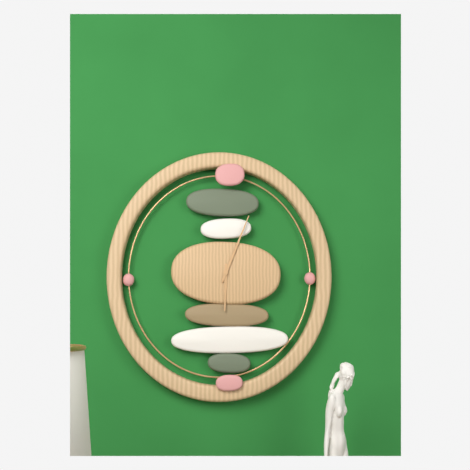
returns 6,04
